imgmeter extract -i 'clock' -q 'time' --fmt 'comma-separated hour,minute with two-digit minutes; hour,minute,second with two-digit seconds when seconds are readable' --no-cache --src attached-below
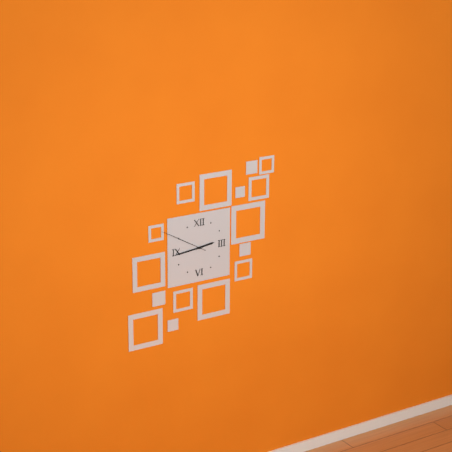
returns 2,44,50
